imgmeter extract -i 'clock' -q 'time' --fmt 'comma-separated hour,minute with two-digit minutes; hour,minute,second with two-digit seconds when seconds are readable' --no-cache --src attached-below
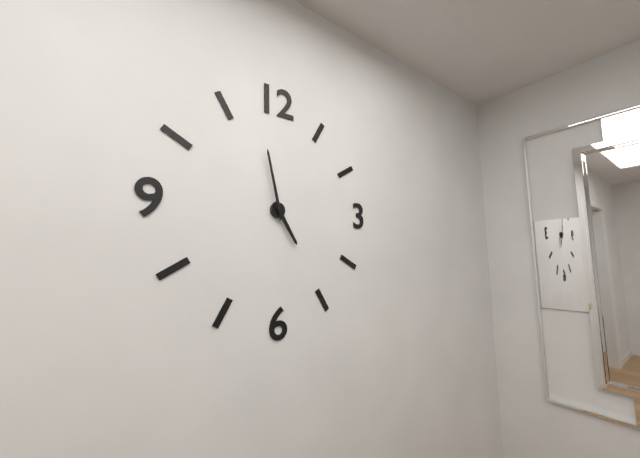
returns 4,58
